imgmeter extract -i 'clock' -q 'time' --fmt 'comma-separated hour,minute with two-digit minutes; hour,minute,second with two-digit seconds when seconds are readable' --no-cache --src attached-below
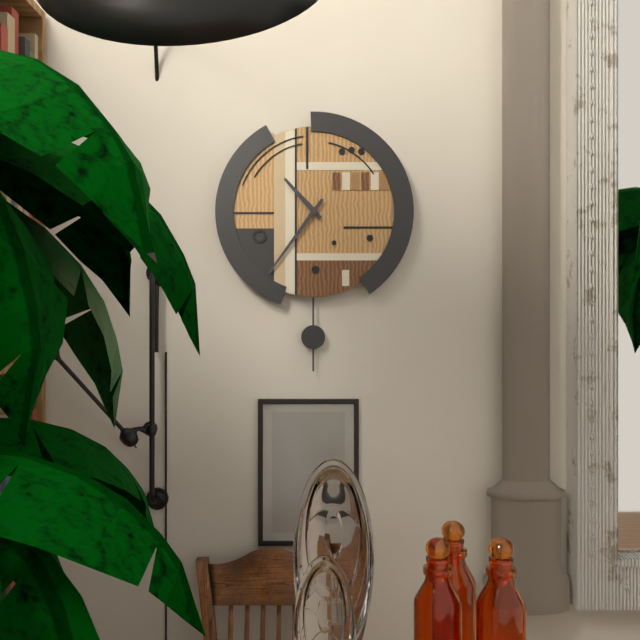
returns 10,36
